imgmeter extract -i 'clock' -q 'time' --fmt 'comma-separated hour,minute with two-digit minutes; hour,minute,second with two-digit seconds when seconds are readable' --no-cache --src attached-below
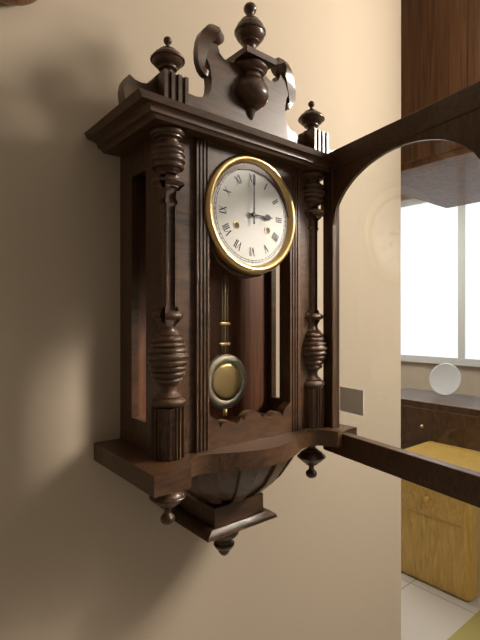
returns 3,00
